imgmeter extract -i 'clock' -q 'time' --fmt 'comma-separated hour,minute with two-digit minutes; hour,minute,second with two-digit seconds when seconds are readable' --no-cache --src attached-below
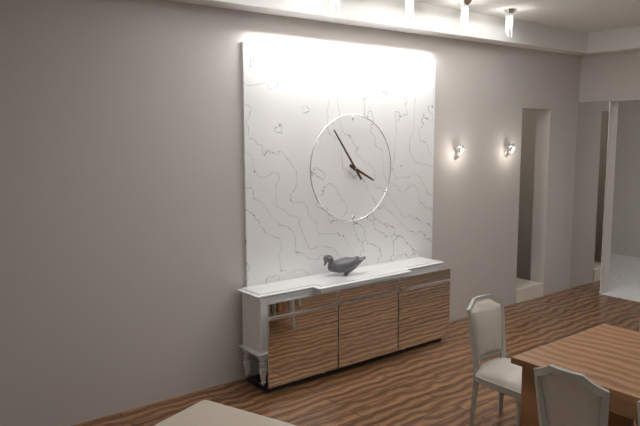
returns 3,54
